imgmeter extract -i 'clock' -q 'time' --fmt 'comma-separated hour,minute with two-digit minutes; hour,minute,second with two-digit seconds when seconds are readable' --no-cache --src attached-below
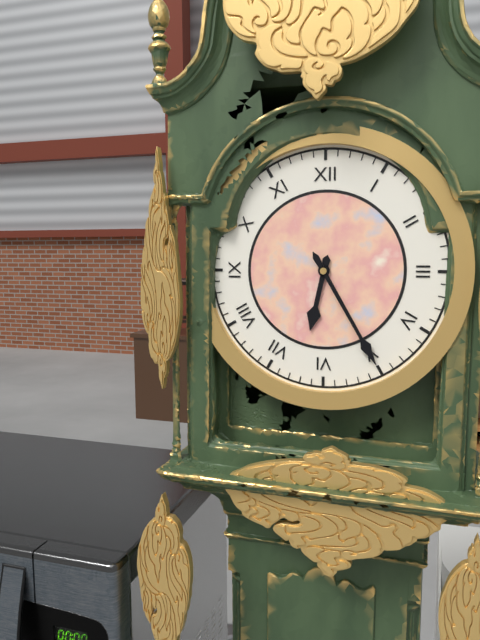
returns 6,25
